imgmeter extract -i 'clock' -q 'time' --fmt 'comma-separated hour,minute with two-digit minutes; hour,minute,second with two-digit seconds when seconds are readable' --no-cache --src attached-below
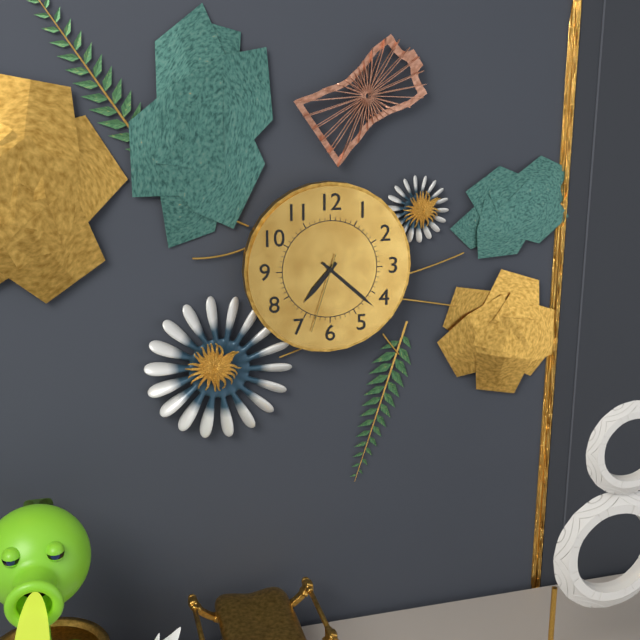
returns 7,22,33
